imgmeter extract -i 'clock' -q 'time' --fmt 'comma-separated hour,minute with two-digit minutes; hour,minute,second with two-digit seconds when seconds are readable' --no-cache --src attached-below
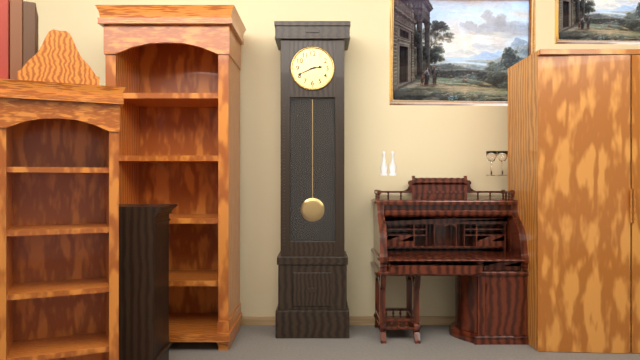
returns 2,41
